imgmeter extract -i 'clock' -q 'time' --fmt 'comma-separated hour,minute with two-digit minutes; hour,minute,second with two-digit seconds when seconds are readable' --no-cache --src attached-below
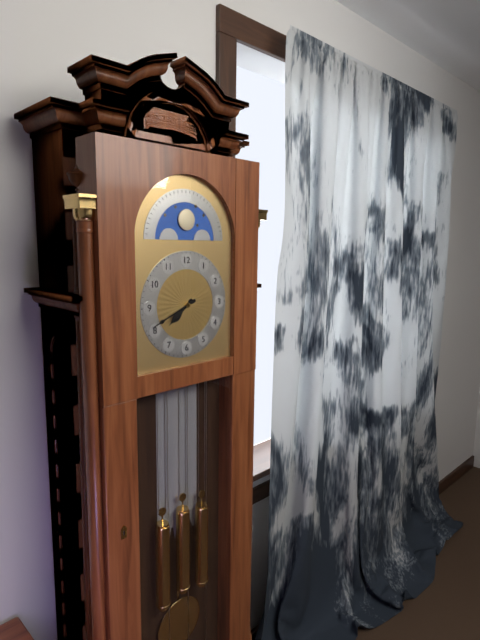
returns 7,41
